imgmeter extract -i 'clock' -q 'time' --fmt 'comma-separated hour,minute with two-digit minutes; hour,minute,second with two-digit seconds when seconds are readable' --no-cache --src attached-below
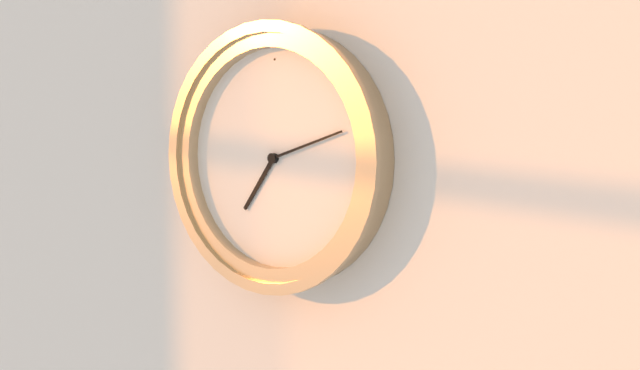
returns 7,12
